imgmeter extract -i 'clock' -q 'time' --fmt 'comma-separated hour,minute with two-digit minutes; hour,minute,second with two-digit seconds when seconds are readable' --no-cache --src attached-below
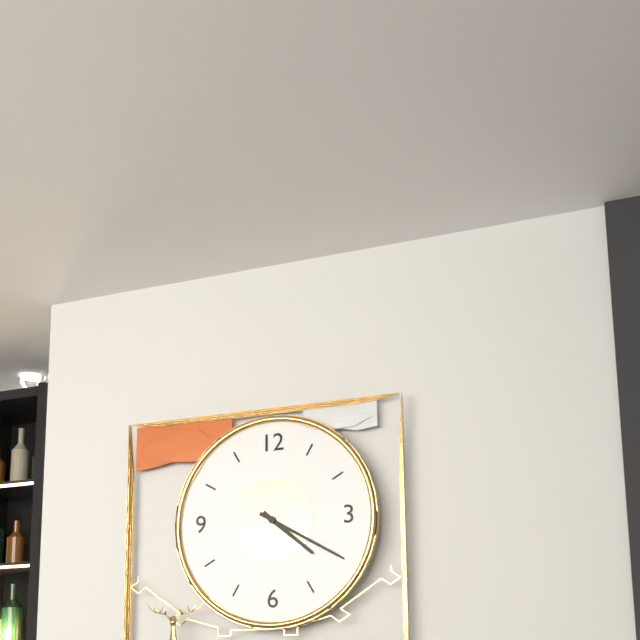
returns 4,20
